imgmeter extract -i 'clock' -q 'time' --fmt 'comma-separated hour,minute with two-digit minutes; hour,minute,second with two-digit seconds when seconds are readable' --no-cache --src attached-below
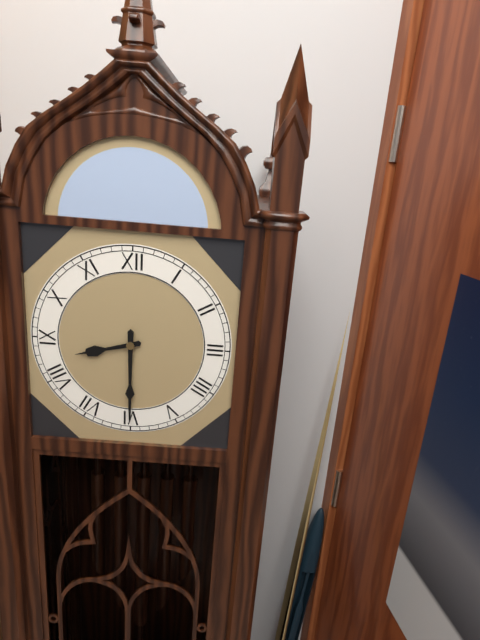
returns 8,30
